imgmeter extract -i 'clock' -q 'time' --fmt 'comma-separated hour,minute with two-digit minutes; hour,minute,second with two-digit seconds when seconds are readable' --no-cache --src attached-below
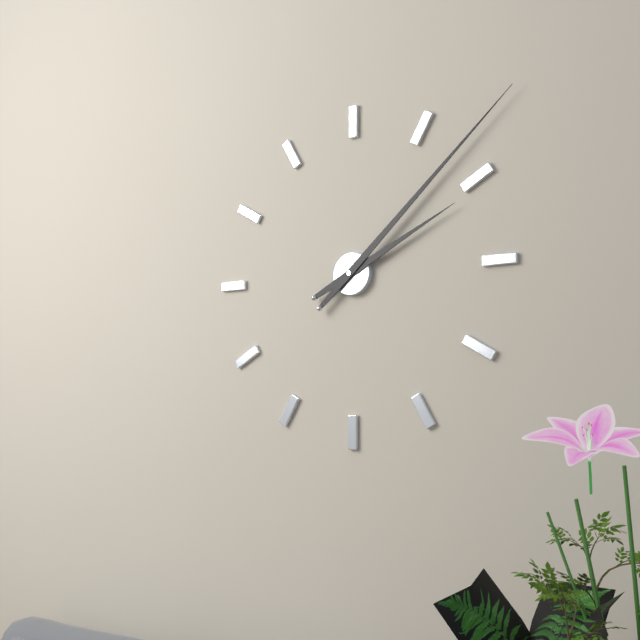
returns 2,08
